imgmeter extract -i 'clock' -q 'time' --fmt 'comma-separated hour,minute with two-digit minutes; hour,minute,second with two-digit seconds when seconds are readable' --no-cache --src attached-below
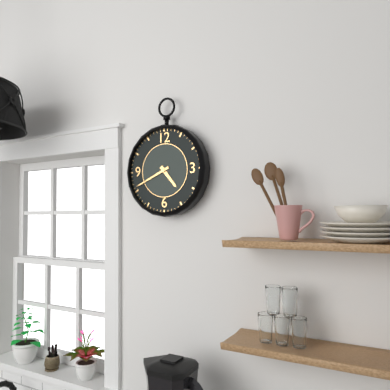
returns 4,41
